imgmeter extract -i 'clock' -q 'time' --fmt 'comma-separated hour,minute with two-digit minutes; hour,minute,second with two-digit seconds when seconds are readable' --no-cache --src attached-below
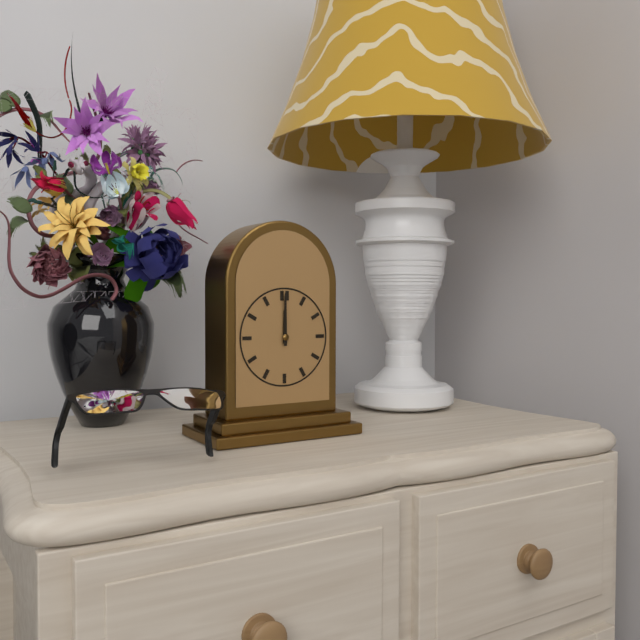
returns 12,00
